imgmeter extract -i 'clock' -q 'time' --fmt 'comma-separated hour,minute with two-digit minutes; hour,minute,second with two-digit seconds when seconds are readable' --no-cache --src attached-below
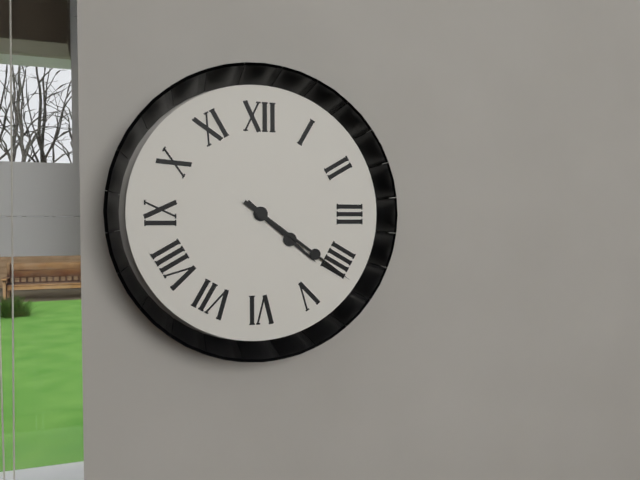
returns 4,21
